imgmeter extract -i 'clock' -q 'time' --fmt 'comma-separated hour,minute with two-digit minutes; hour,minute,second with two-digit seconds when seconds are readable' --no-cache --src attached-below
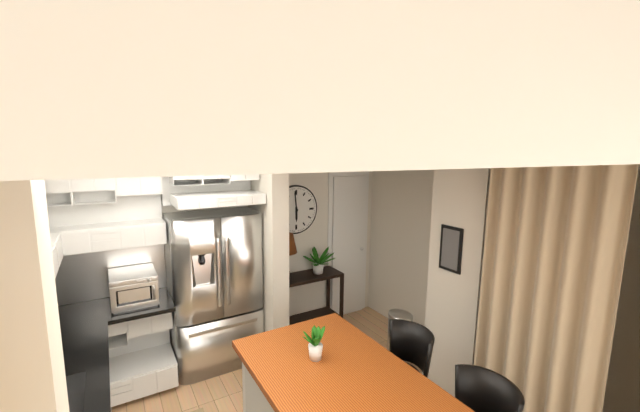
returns 5,59
